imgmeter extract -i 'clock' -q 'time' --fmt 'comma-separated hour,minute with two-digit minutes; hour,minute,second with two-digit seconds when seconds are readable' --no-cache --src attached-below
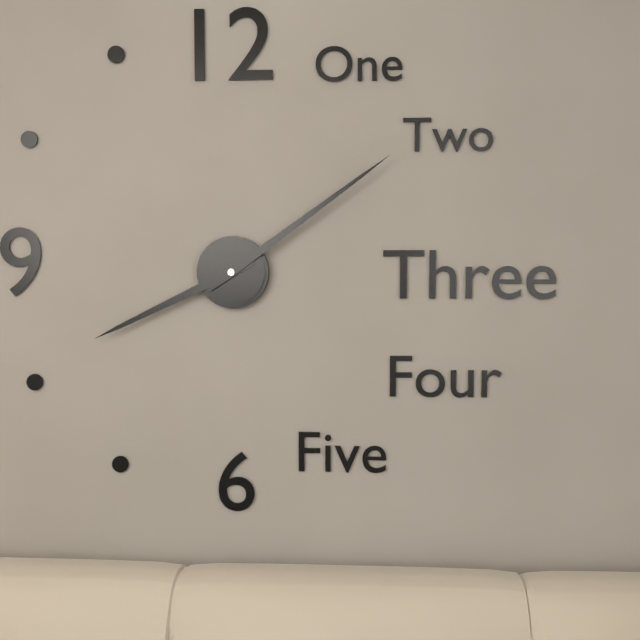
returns 8,09
